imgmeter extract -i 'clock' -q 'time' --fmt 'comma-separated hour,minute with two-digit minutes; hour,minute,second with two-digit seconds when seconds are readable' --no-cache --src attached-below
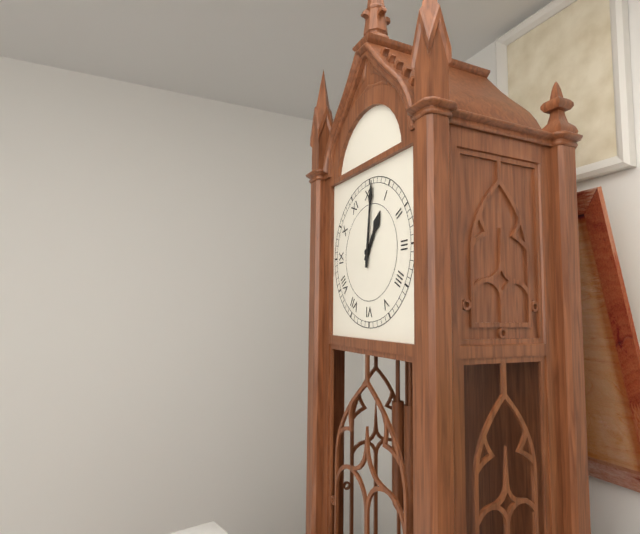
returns 1,01
